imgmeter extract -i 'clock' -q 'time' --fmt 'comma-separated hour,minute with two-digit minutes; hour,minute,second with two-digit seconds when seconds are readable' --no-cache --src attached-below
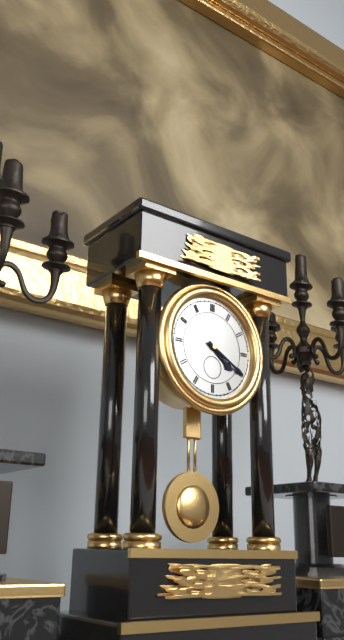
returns 4,20
